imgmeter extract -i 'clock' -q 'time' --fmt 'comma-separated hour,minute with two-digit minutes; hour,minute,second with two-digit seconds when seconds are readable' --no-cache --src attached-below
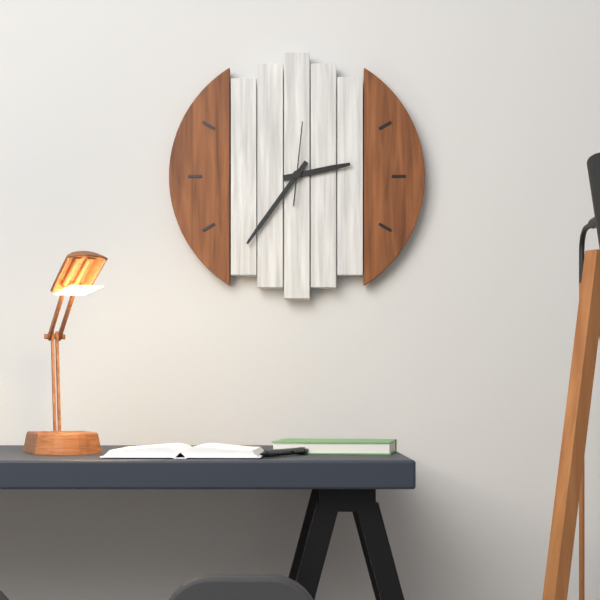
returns 2,36,01
